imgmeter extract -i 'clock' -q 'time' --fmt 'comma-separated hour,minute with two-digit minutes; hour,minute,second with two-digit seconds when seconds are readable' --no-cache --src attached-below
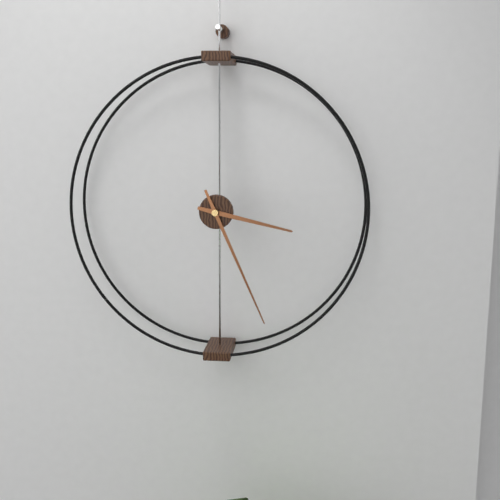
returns 3,26
